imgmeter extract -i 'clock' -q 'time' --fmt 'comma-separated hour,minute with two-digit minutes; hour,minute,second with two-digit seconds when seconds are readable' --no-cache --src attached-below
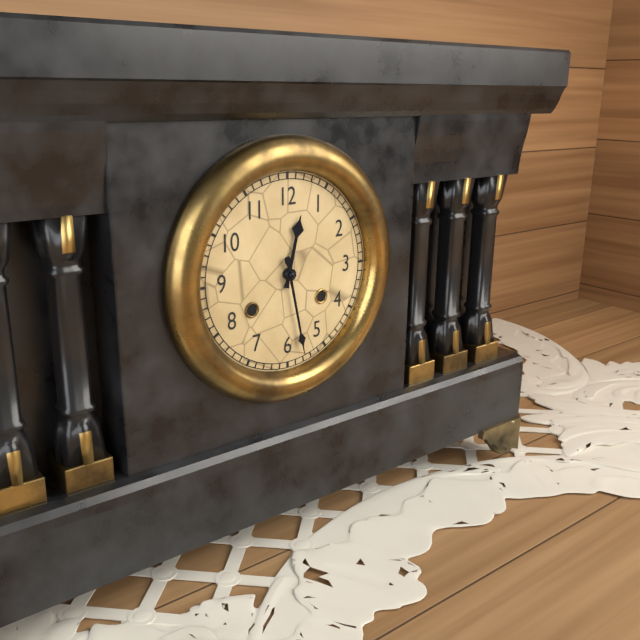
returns 12,28
